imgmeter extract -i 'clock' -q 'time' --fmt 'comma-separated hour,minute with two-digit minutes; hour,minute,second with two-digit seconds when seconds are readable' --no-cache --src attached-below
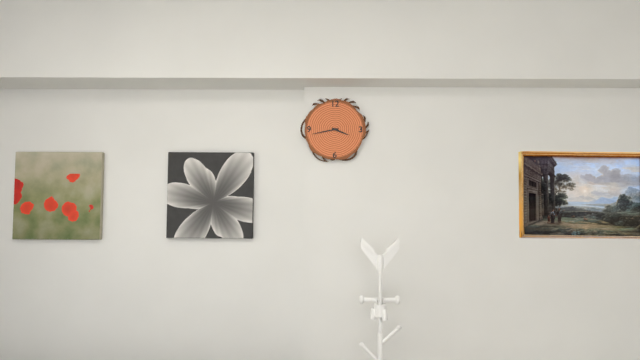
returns 3,43
